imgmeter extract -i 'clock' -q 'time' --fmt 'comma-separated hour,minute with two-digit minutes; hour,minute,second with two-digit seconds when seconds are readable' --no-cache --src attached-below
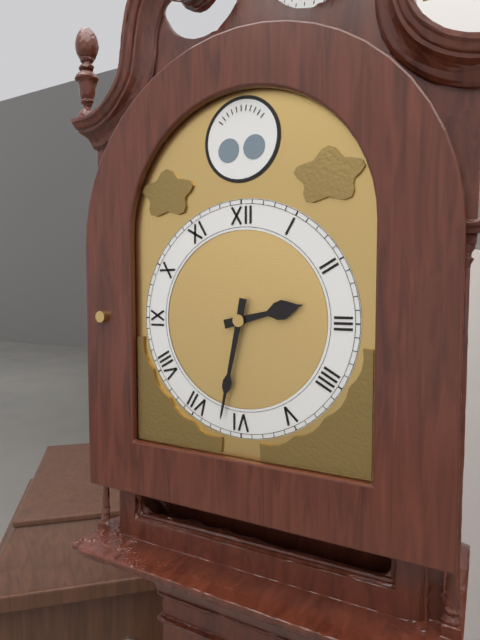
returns 2,32
